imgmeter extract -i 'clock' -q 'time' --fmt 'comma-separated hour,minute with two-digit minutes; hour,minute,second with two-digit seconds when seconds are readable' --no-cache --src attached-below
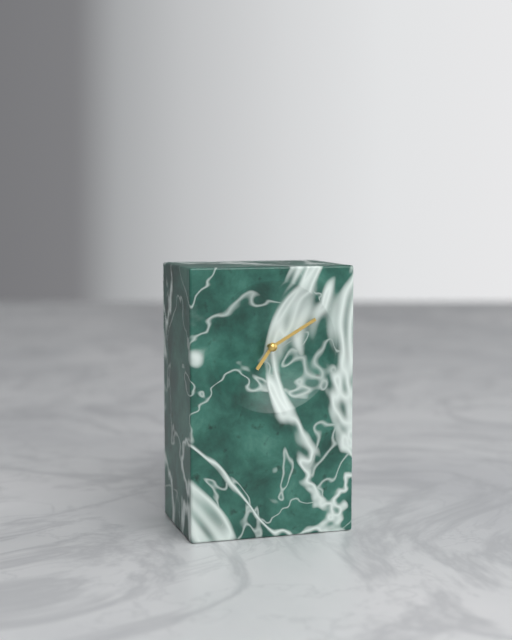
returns 7,10
